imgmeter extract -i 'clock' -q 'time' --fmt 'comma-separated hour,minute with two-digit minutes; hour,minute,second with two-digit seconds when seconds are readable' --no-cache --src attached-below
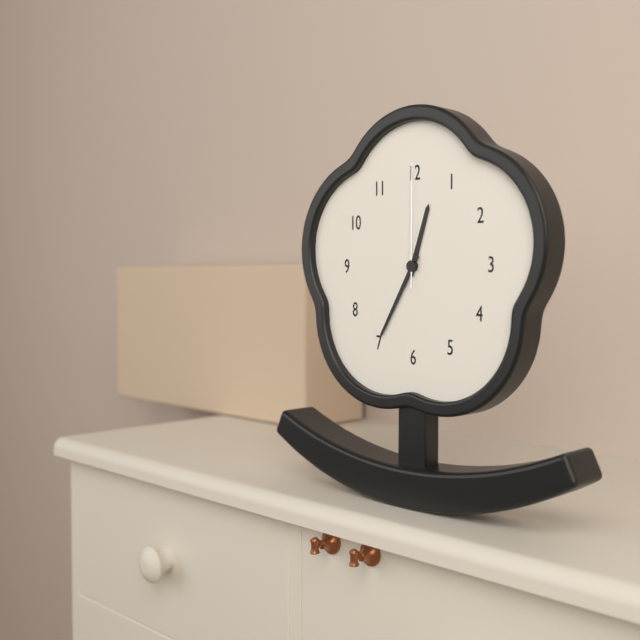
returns 12,35,00
